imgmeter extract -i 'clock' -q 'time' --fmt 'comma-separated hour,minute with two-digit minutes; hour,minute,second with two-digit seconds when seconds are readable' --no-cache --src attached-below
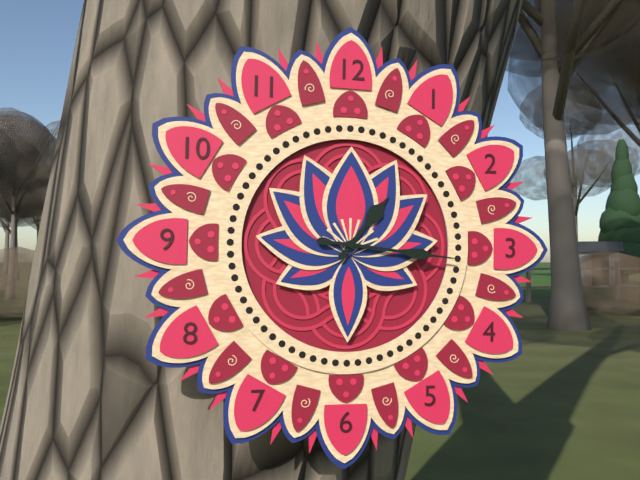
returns 1,16
